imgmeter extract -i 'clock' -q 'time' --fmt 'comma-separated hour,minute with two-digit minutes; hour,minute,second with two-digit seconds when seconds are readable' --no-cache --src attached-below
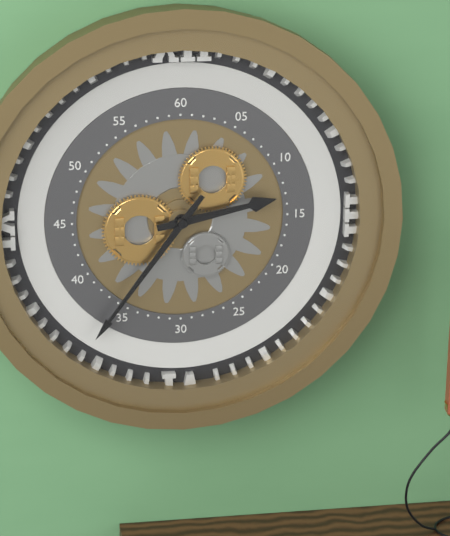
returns 2,36
